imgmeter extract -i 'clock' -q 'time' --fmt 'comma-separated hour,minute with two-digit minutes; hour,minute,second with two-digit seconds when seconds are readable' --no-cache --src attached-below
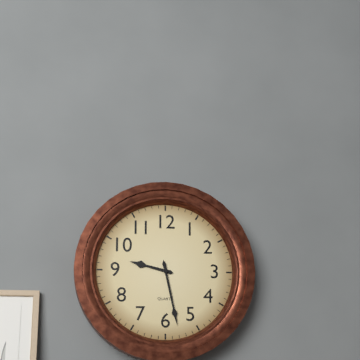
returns 9,28
